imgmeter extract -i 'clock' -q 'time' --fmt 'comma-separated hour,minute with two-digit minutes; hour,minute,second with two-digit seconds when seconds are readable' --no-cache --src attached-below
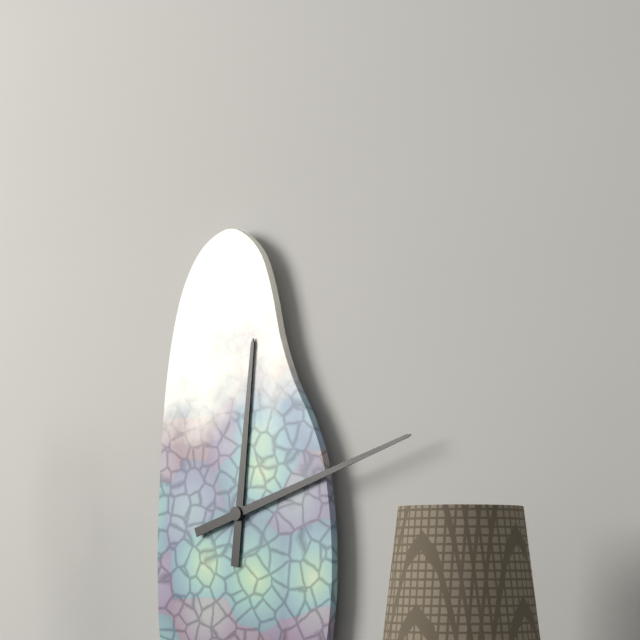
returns 12,12
